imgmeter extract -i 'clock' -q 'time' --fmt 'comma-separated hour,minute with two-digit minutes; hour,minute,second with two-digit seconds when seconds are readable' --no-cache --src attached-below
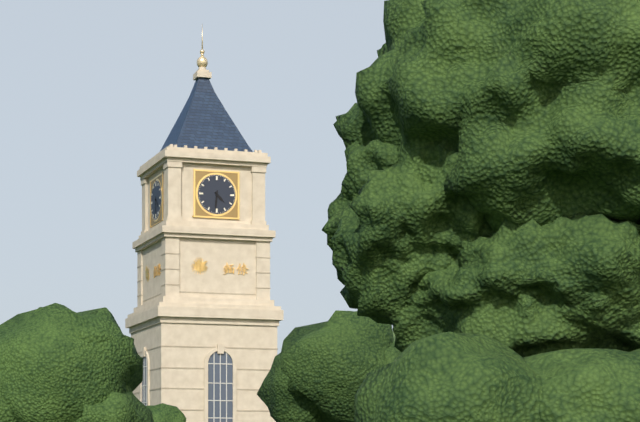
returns 4,31
